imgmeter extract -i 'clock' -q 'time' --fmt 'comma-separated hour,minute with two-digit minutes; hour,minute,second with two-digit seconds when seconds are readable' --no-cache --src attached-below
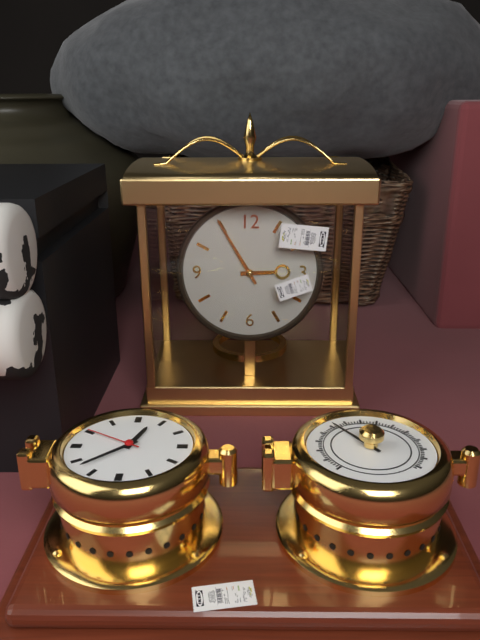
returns 2,55
